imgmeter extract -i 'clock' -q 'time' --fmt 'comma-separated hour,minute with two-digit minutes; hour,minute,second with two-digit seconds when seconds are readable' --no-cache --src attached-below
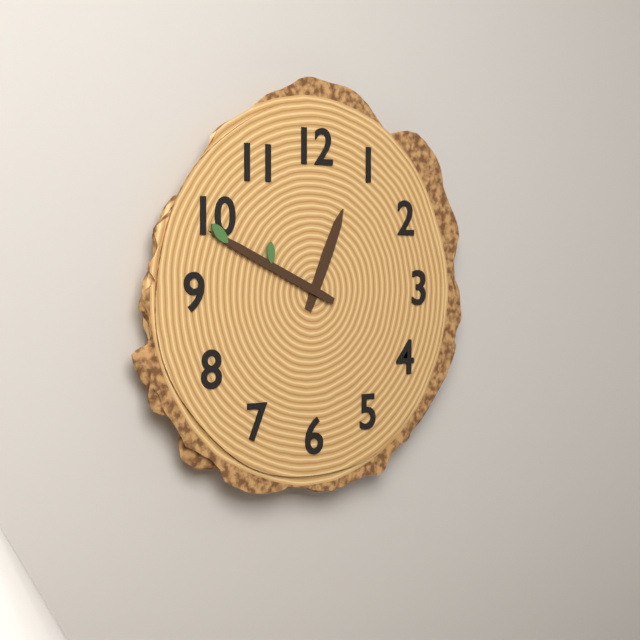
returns 12,49
